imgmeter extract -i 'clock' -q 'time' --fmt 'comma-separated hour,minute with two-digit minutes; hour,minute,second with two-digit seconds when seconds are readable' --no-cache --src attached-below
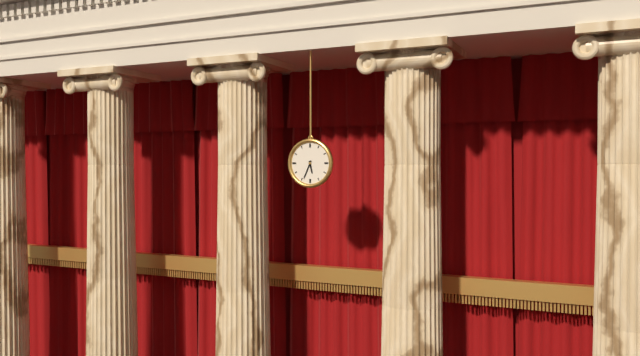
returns 5,34
